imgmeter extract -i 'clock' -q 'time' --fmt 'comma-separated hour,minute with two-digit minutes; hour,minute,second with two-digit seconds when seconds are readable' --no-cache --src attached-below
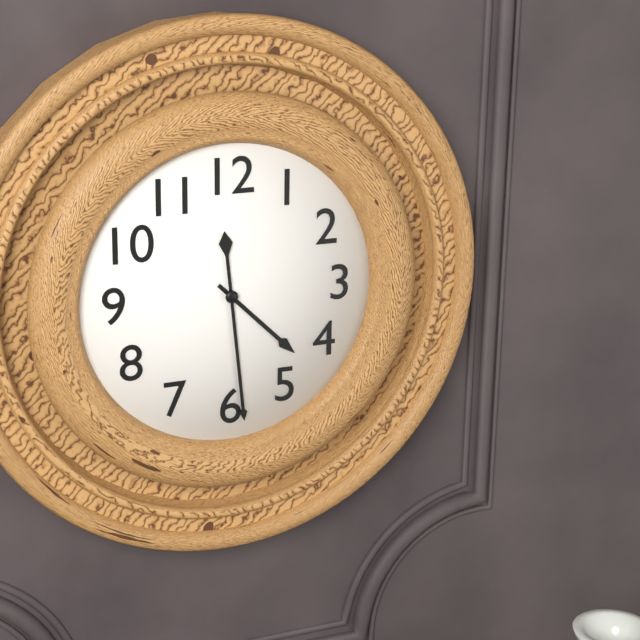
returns 4,29
